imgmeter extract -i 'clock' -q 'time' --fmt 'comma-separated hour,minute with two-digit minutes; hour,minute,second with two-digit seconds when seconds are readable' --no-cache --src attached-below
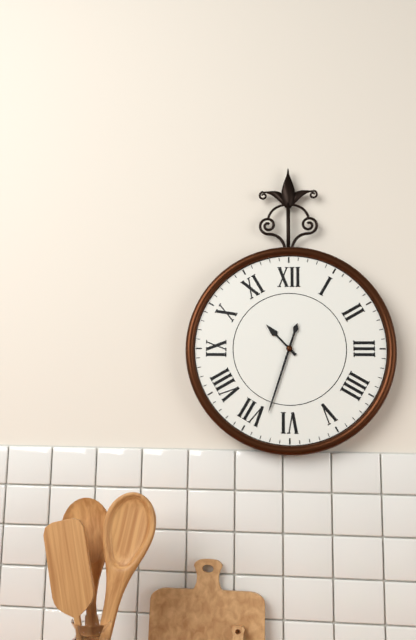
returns 10,33
